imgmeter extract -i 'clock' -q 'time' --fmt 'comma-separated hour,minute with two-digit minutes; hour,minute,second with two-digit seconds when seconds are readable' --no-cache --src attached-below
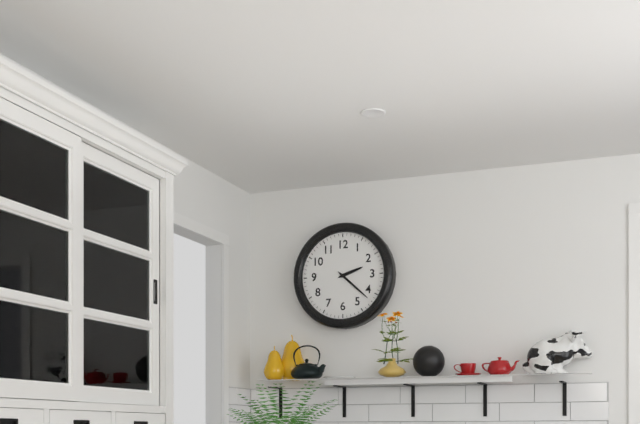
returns 2,22
